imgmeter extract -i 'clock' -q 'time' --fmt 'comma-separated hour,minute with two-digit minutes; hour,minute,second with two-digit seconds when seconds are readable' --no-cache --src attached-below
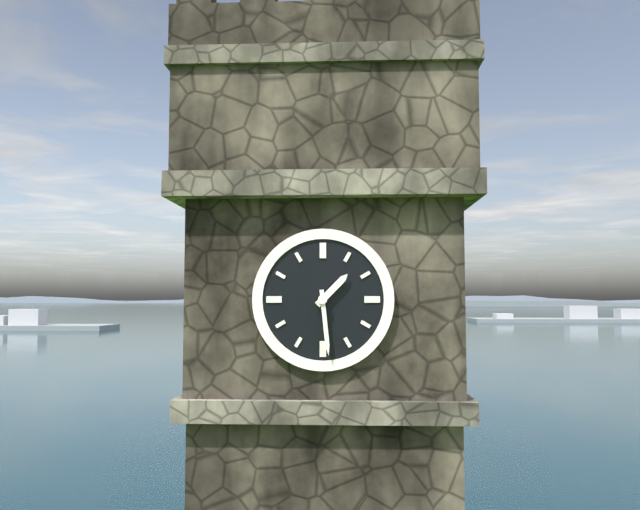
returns 1,29
